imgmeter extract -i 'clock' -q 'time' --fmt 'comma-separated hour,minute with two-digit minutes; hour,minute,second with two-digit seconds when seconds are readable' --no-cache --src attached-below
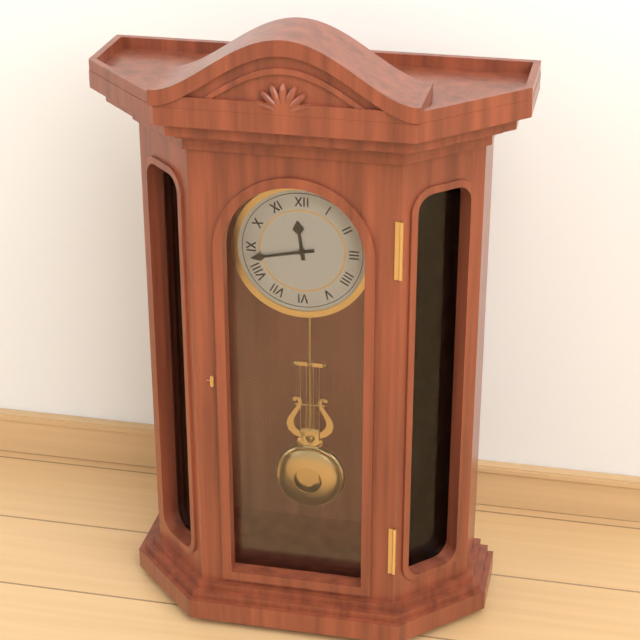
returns 11,43
